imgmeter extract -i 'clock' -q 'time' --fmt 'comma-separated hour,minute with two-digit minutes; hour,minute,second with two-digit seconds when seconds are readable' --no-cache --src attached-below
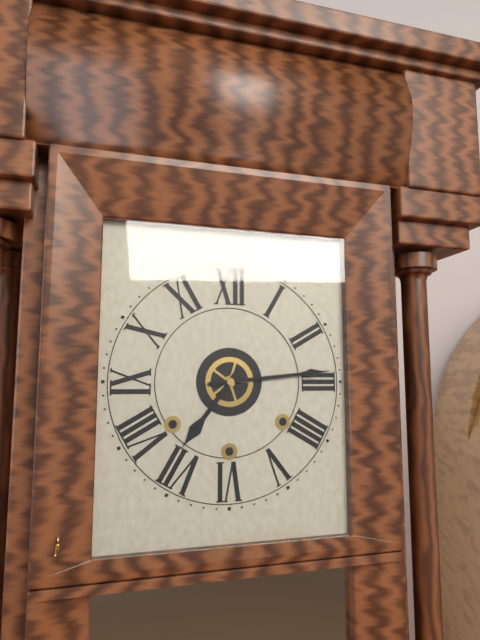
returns 7,14
